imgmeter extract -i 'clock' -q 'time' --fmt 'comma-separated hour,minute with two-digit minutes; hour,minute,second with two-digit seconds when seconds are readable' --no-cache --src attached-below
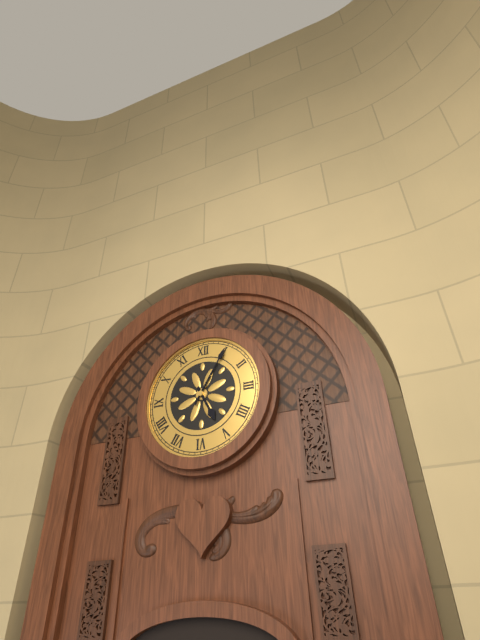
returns 5,05
